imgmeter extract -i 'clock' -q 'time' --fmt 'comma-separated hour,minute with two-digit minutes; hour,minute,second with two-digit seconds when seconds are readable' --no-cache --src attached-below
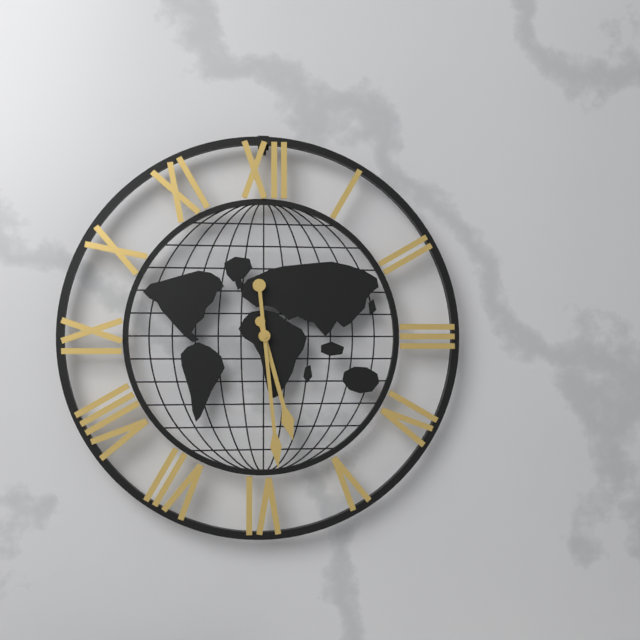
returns 5,29
